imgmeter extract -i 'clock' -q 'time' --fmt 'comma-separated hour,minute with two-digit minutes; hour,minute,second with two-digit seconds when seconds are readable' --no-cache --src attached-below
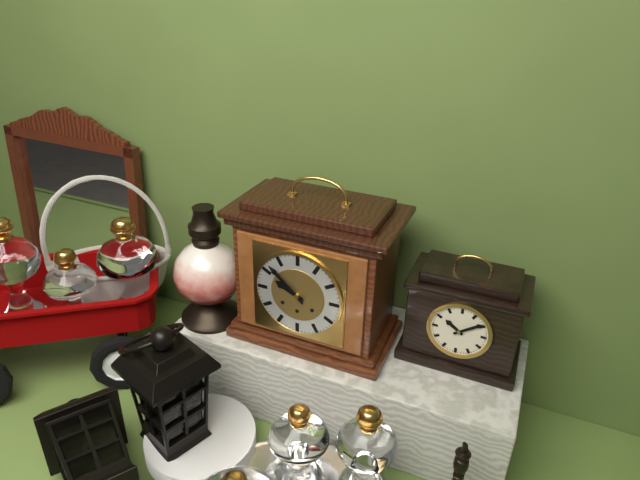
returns 9,52
